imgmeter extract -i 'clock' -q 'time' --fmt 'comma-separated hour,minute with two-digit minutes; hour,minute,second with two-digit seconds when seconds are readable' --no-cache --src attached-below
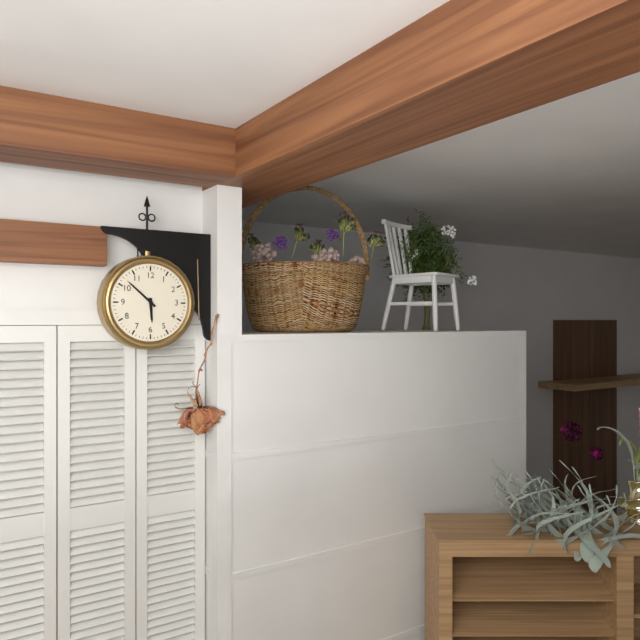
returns 5,52
